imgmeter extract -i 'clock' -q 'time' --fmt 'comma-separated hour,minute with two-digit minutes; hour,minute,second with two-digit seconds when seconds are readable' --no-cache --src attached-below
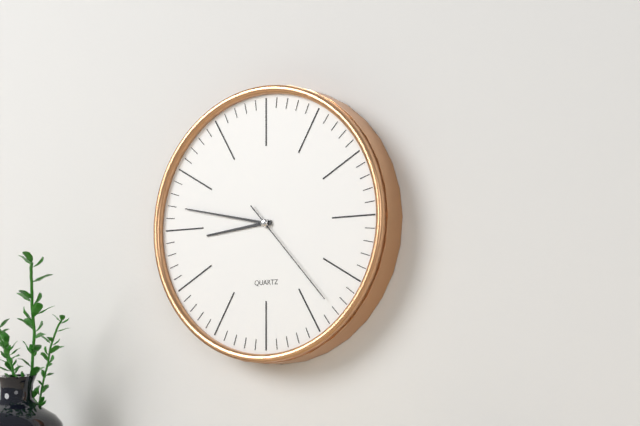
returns 8,47,23
